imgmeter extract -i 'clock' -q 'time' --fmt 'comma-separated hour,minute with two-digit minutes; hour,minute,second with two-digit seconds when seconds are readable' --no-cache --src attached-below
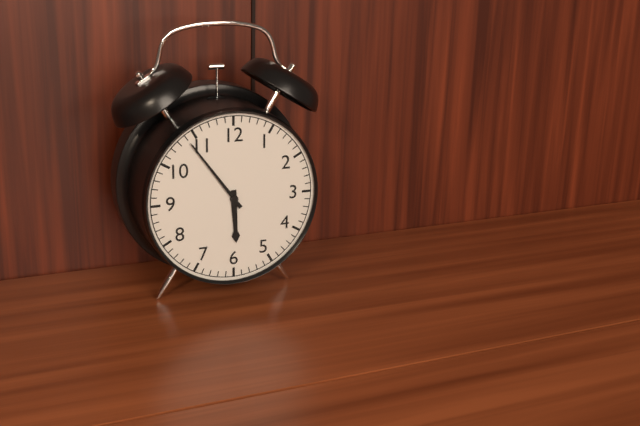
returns 5,54
